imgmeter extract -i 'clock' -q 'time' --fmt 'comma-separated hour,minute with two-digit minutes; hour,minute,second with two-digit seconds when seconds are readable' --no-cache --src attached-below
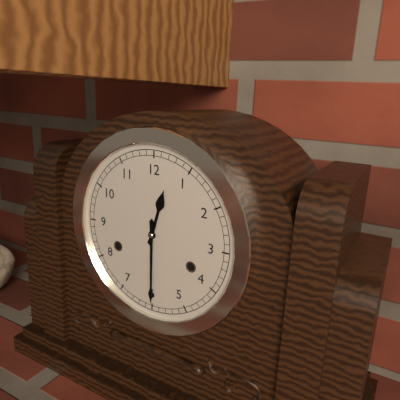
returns 12,30
